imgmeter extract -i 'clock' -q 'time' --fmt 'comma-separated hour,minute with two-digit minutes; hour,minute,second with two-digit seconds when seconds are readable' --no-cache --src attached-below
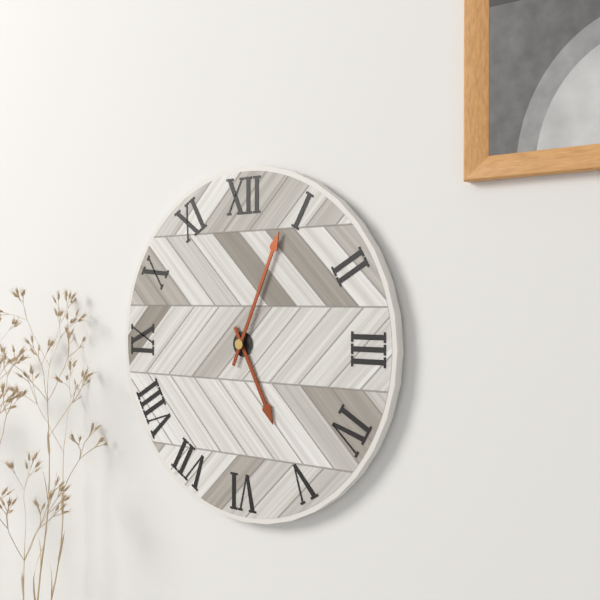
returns 5,04
